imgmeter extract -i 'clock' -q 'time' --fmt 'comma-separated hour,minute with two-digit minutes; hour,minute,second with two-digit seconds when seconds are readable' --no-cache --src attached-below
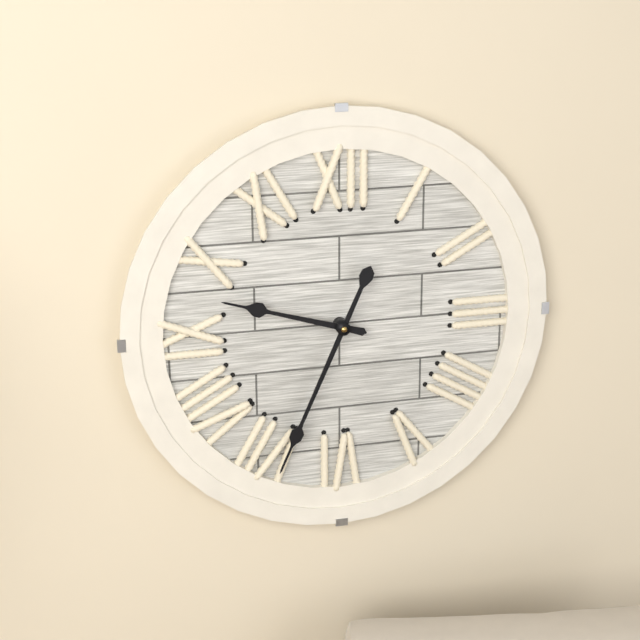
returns 9,34
